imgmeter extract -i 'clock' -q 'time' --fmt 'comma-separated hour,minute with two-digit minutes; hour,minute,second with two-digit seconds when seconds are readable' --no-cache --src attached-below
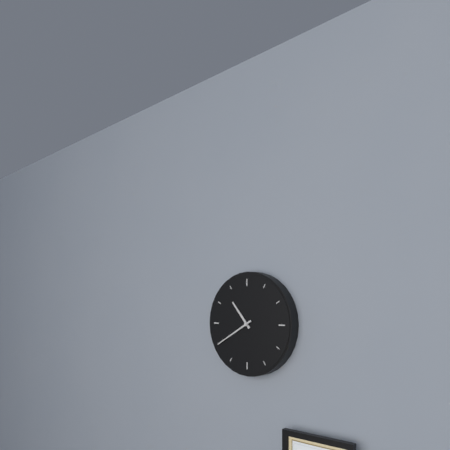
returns 10,40
